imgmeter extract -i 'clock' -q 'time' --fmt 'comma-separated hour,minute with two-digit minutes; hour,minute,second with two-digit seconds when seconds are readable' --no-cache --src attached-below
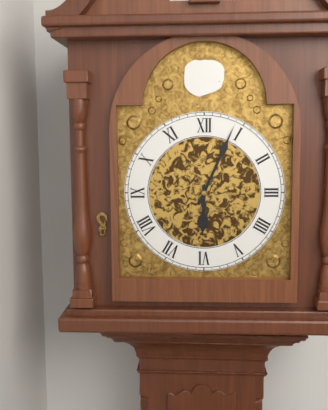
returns 6,04
